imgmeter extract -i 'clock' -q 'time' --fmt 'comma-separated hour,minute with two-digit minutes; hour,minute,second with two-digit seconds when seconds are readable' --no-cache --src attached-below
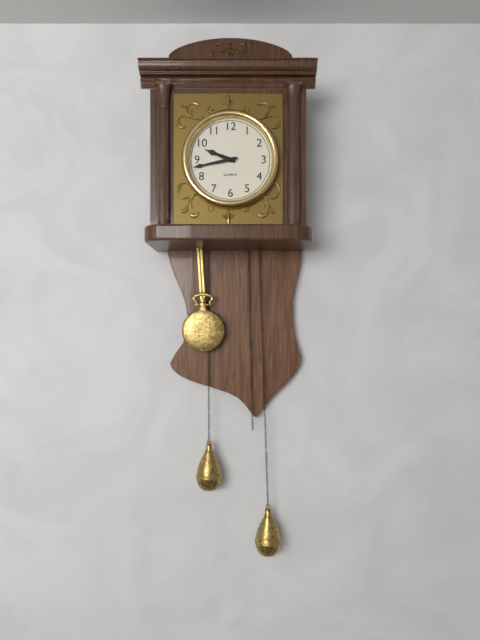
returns 9,43
